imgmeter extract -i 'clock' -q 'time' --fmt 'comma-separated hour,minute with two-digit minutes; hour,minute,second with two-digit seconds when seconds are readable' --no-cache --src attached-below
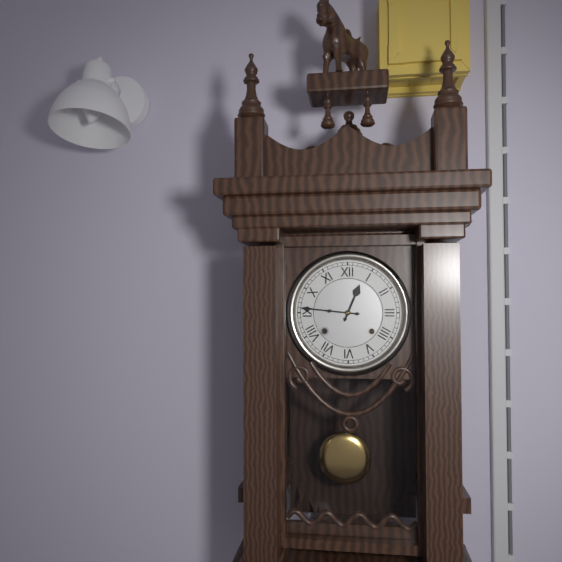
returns 12,46
